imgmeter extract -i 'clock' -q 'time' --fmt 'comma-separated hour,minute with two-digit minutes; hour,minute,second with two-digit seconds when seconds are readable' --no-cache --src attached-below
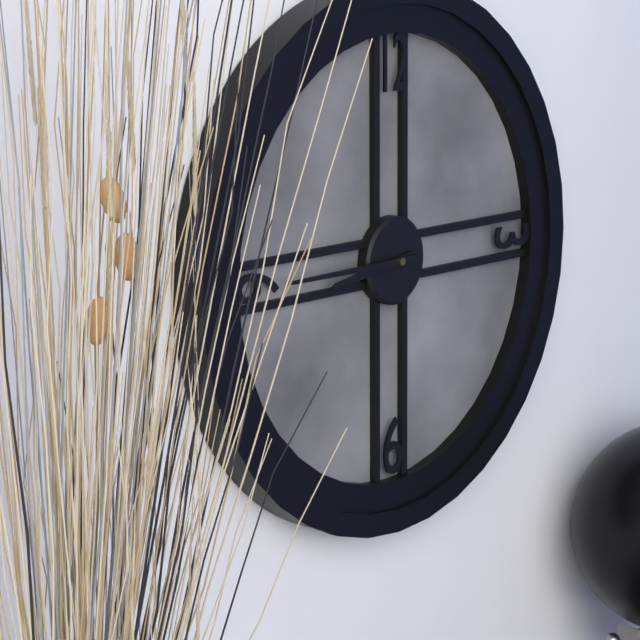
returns 8,45
